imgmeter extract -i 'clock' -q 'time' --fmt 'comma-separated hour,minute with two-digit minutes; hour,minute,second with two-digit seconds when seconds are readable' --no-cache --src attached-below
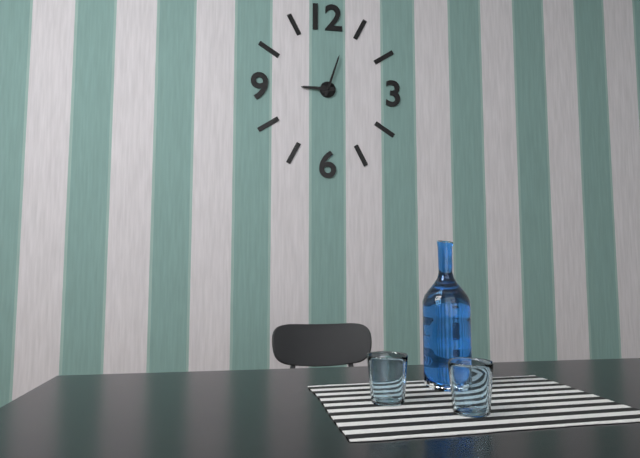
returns 9,03
